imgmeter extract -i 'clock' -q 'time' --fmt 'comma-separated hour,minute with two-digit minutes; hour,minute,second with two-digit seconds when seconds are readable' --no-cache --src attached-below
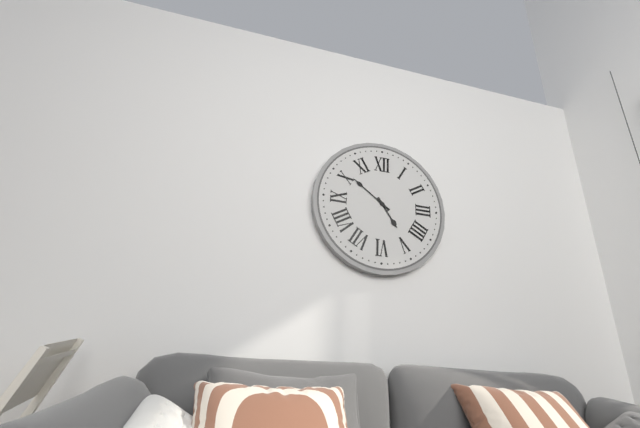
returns 4,51
